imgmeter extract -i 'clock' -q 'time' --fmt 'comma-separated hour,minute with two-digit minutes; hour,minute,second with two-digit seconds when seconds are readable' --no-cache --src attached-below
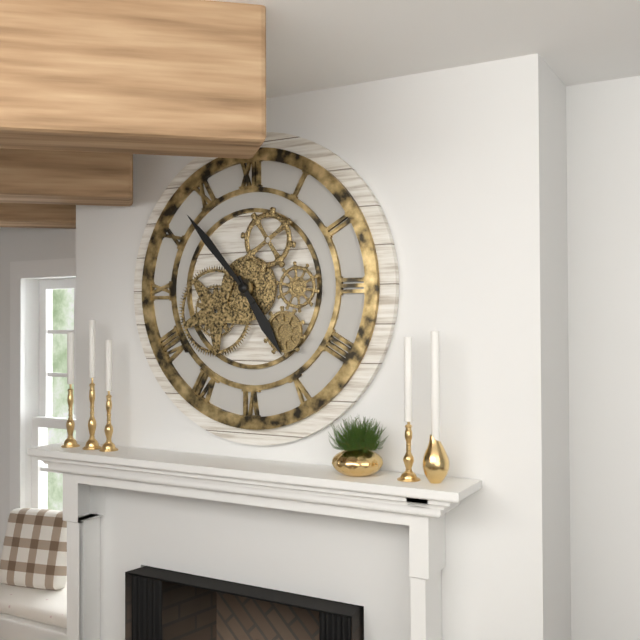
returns 4,53
